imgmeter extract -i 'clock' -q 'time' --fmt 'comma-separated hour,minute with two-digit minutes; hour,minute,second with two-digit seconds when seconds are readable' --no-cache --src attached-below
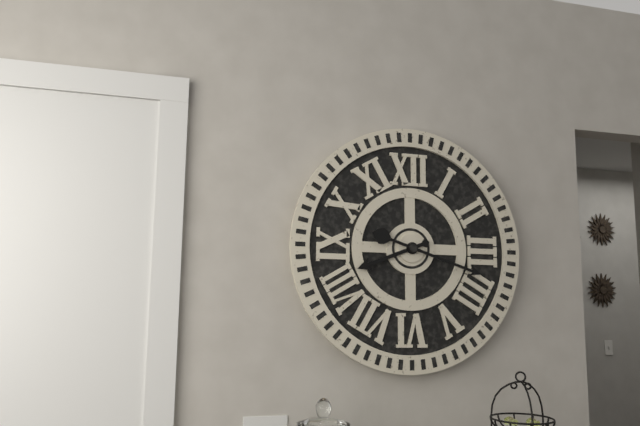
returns 8,18
